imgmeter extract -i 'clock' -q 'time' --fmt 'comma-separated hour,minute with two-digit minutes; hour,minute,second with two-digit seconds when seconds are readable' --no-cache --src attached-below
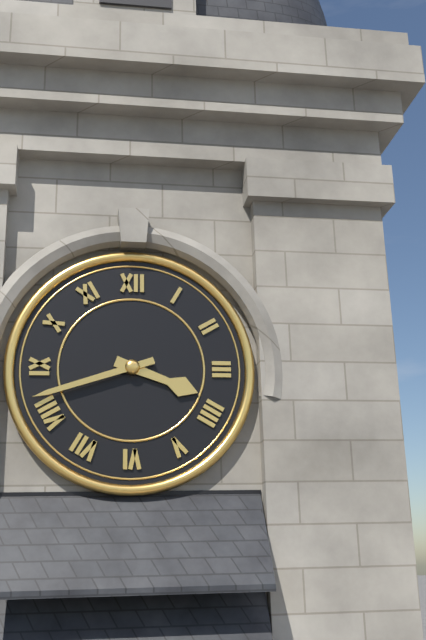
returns 3,42
